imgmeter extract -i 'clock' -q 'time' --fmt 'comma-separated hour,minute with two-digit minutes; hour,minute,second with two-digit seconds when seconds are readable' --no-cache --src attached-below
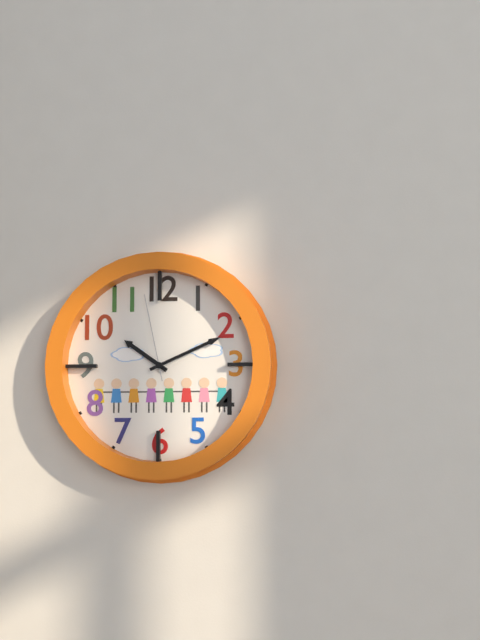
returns 10,11,58
